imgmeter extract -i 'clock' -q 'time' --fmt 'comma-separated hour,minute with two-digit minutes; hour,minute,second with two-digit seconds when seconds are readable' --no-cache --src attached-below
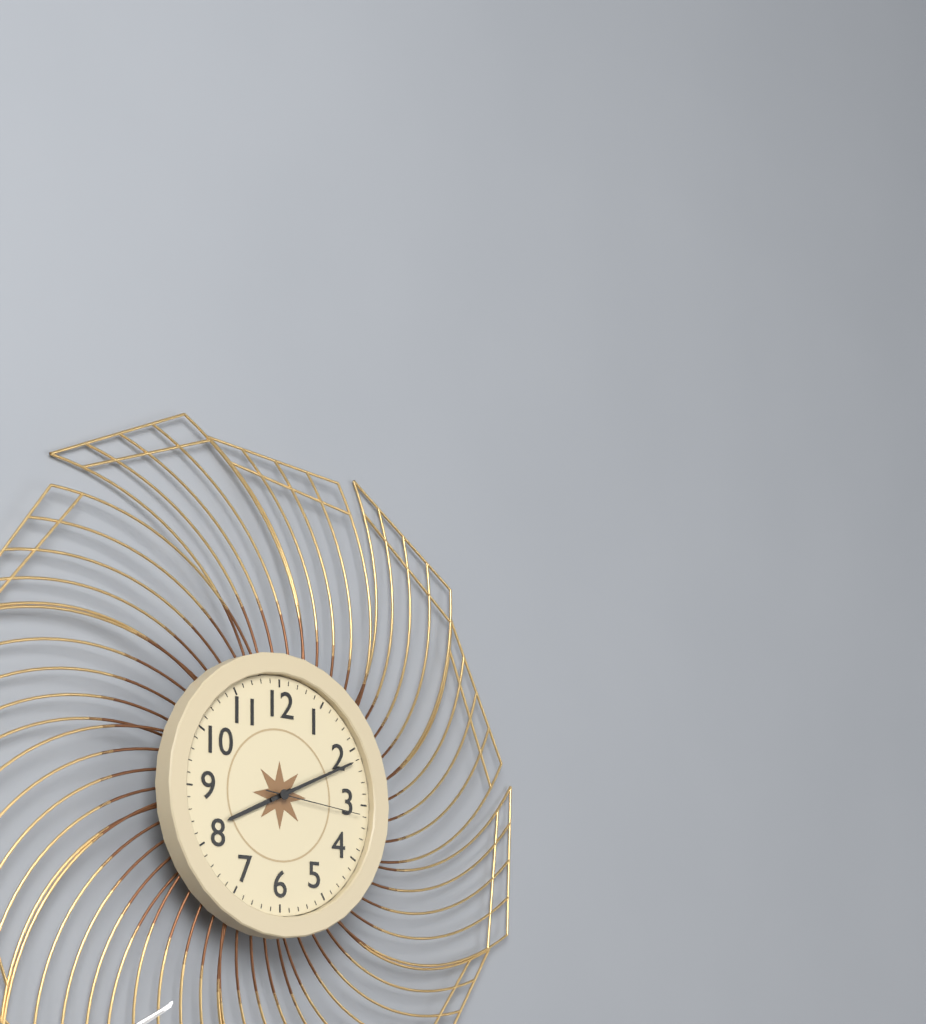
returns 8,11,16
